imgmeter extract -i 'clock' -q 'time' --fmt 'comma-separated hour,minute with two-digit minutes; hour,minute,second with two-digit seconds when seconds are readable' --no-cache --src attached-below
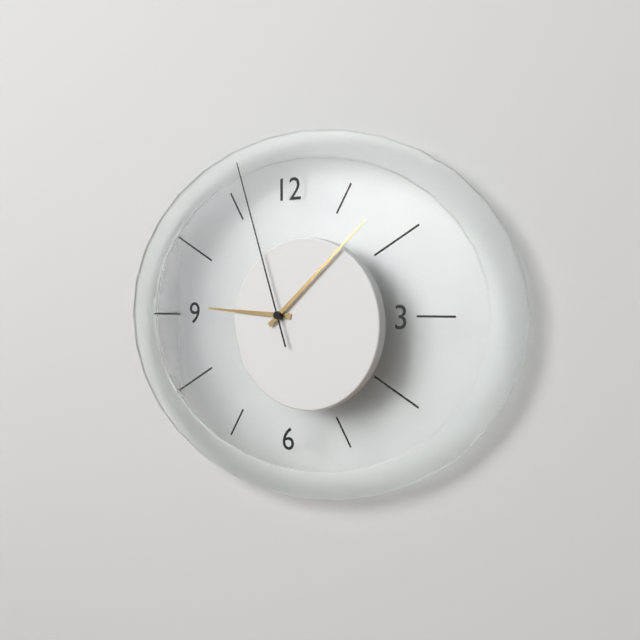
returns 9,08,57
